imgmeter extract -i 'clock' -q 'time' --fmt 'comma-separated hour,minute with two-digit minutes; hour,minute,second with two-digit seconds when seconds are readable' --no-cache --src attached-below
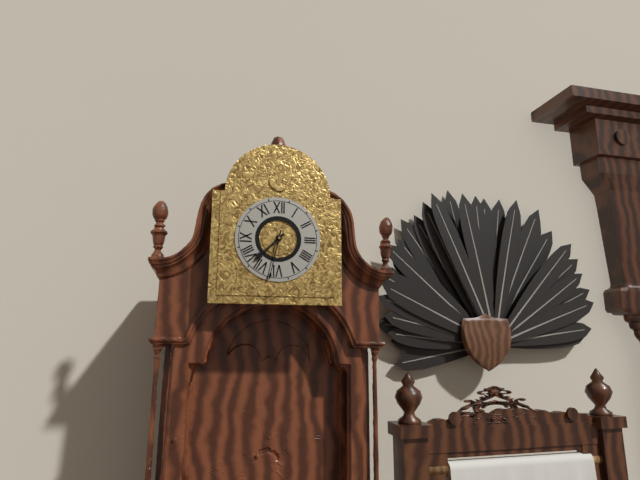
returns 7,32
